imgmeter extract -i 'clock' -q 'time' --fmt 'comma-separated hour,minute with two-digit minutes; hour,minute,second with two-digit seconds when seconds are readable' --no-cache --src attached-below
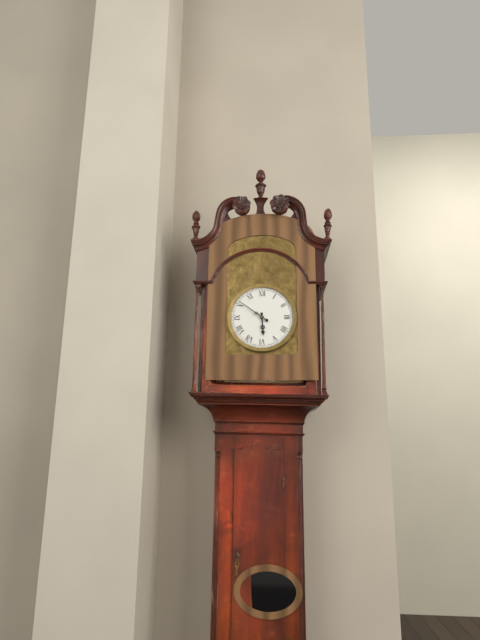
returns 5,51
